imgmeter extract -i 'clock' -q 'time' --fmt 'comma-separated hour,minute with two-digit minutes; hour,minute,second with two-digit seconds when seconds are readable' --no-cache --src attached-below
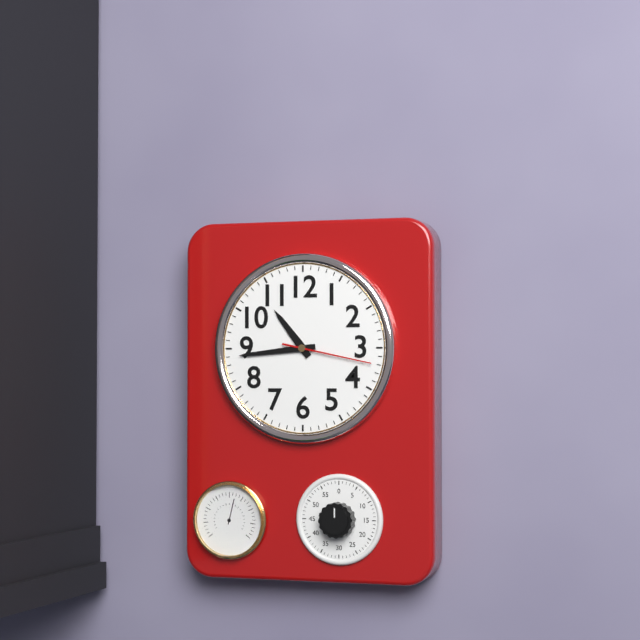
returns 10,44,17
